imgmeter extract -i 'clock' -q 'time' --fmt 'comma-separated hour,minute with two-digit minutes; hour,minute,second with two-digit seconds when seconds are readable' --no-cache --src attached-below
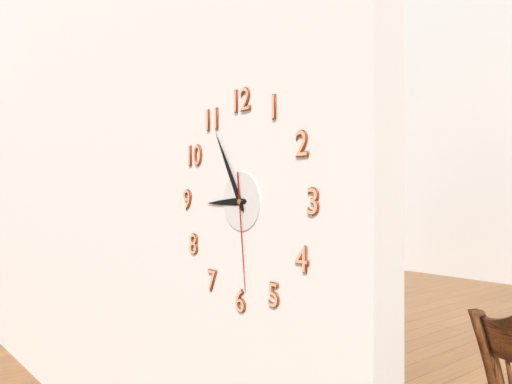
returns 8,55,29
